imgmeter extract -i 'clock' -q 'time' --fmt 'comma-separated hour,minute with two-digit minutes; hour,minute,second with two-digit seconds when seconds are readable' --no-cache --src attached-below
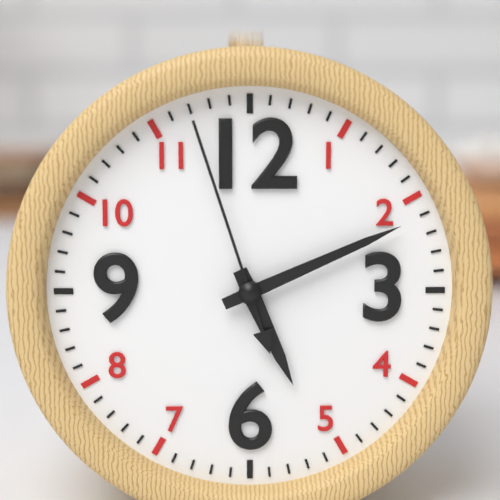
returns 5,11,57
